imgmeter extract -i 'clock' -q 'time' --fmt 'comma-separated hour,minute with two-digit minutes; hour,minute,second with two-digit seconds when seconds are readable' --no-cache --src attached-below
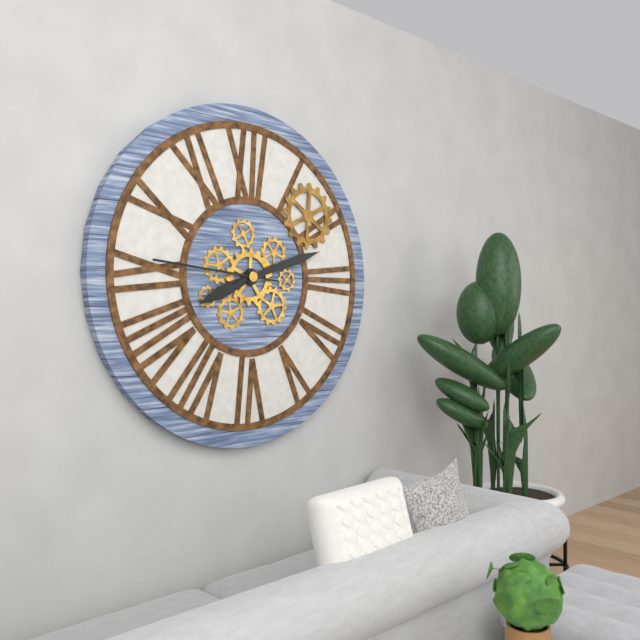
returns 8,12,46
